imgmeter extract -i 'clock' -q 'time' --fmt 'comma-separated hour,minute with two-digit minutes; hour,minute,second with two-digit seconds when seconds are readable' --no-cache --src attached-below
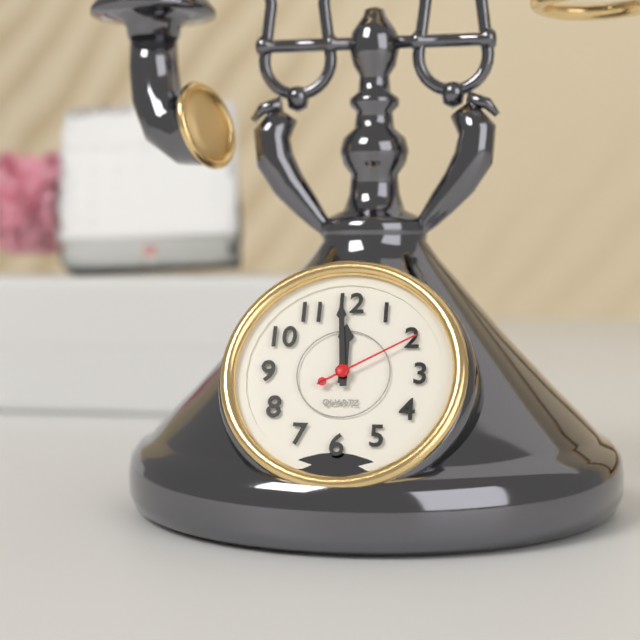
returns 11,59,10
